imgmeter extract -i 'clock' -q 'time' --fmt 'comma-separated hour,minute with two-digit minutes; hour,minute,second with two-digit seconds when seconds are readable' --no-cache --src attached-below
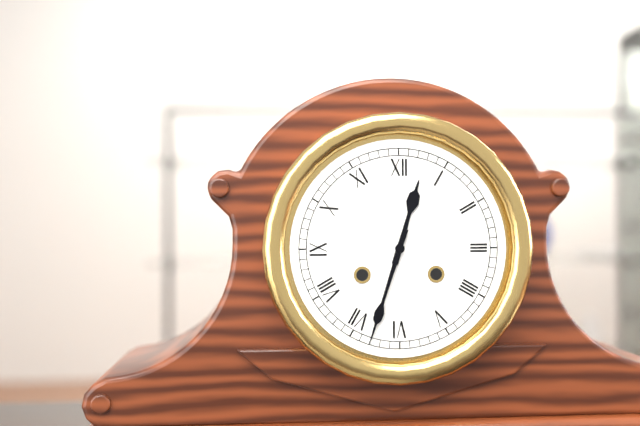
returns 12,33
